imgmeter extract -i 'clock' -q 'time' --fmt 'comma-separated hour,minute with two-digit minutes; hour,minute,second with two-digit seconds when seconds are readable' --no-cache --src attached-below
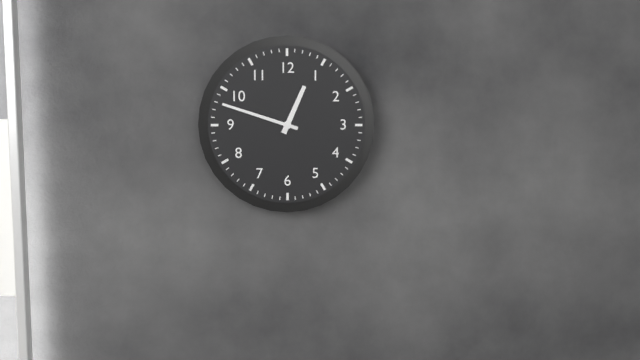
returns 12,48
